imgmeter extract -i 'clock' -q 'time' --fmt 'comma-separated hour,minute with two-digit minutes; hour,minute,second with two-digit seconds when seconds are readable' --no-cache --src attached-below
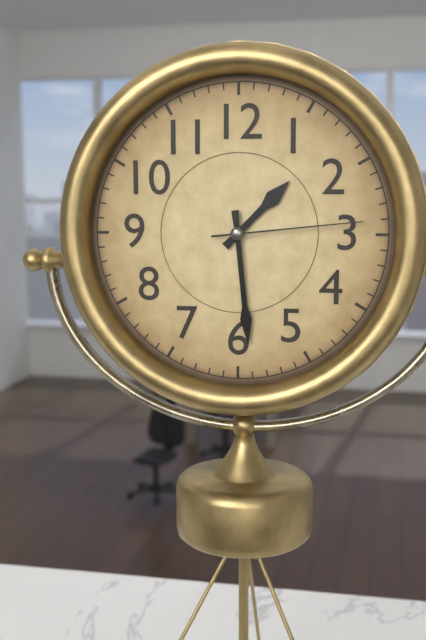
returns 1,29,14
